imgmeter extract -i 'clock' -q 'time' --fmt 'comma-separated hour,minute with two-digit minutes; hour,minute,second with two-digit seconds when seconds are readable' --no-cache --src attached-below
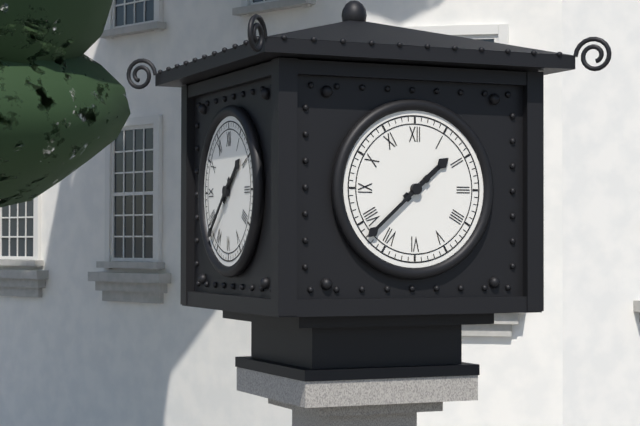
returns 1,38
